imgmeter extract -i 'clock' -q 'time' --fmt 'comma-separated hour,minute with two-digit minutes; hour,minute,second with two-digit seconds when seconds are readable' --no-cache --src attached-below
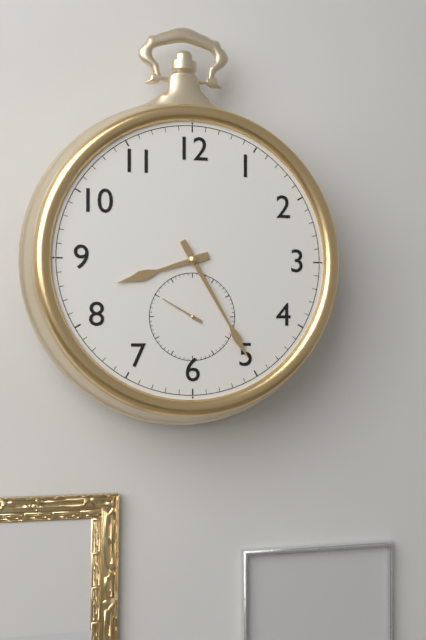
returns 8,25
